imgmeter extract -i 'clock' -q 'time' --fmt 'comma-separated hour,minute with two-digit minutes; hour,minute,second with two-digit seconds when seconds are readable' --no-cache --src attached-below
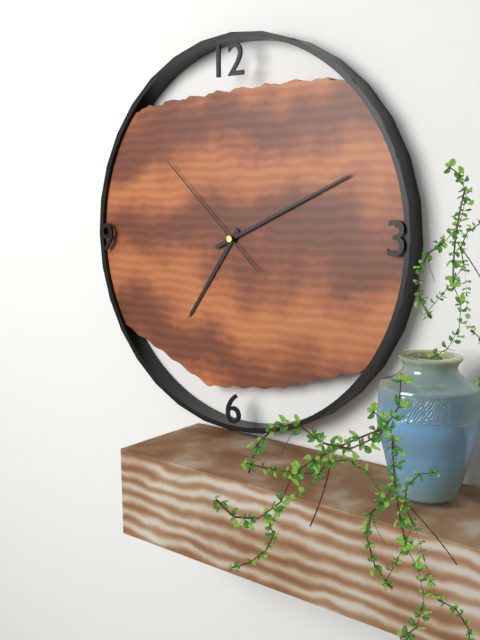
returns 7,11,52
